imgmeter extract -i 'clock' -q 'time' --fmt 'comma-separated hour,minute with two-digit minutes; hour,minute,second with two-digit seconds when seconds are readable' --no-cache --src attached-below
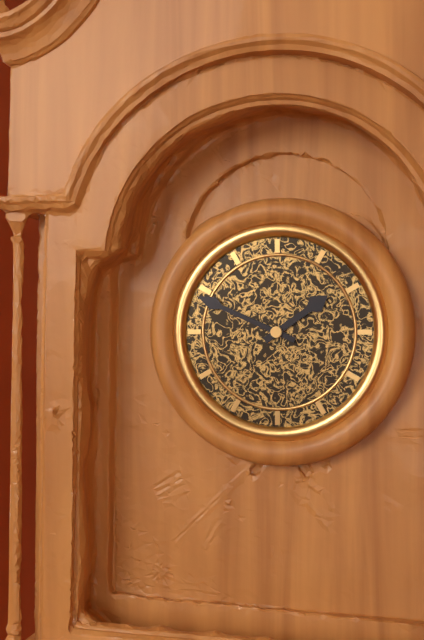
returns 1,49
